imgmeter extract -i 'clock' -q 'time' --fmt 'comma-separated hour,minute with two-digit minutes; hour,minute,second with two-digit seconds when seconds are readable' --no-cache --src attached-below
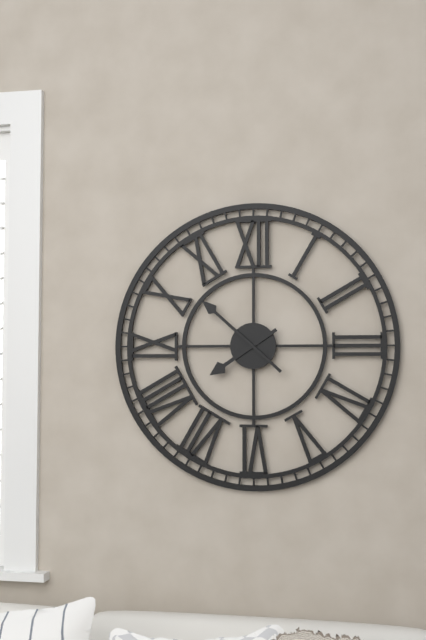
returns 7,52
